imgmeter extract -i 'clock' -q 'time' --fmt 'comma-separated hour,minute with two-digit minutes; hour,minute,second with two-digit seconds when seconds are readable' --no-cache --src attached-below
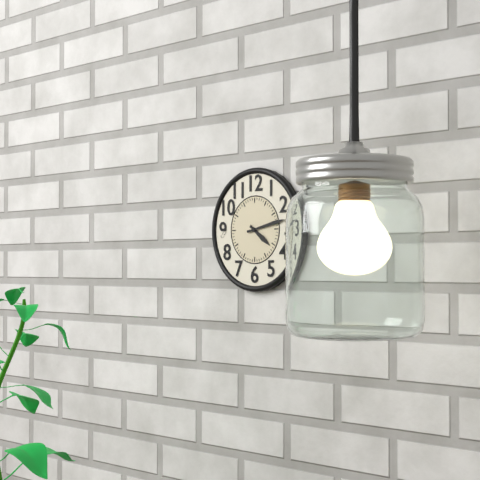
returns 4,13
